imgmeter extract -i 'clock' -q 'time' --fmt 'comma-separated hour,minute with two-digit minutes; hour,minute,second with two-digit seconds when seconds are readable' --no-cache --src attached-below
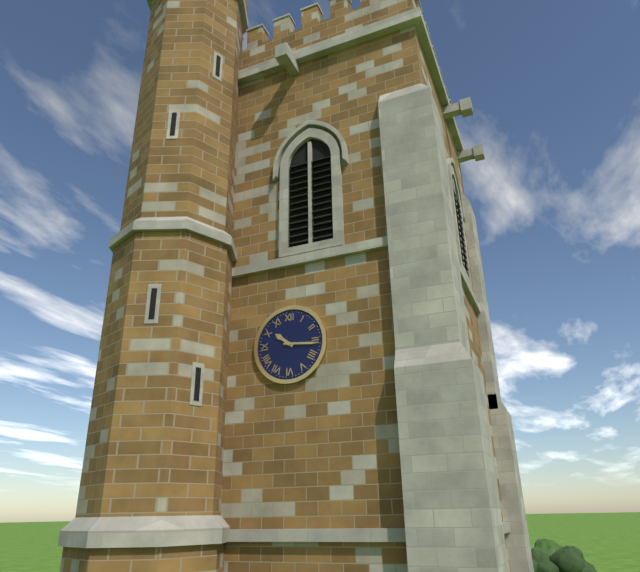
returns 10,16
